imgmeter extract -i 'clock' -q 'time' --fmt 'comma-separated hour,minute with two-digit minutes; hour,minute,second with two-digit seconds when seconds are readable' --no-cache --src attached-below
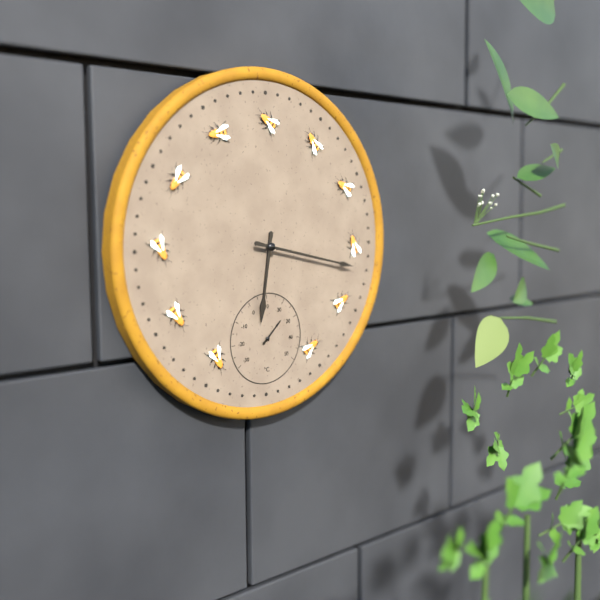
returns 6,17
